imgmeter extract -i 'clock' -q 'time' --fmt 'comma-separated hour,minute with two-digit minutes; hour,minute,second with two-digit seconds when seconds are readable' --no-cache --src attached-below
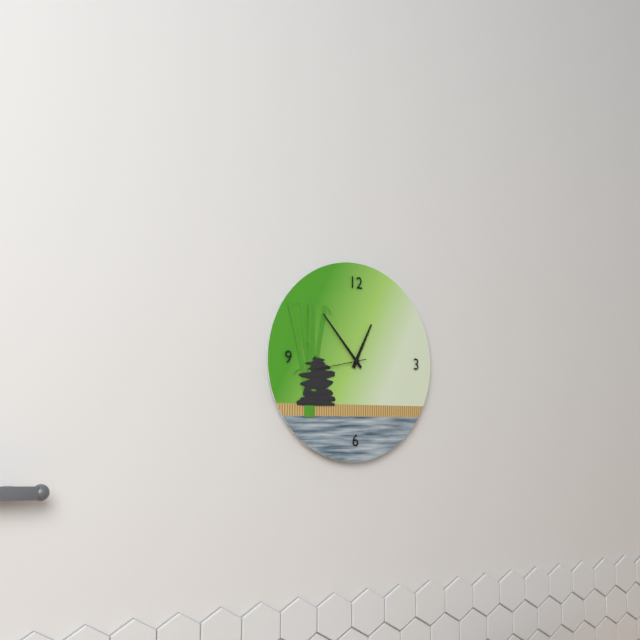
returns 12,53
